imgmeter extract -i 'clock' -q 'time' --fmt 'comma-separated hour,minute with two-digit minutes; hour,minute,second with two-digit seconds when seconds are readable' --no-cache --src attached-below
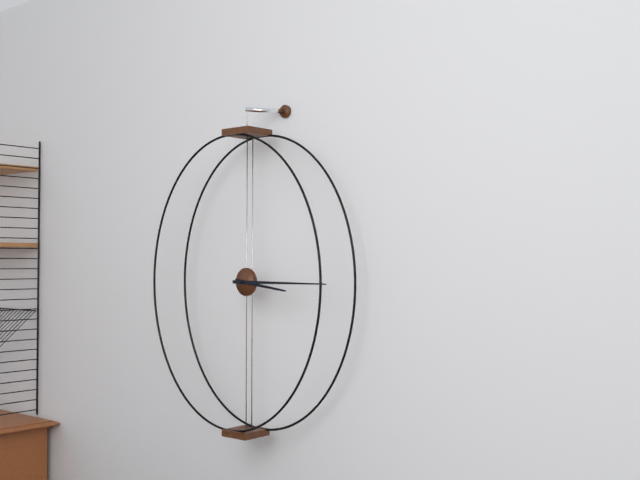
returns 3,15
